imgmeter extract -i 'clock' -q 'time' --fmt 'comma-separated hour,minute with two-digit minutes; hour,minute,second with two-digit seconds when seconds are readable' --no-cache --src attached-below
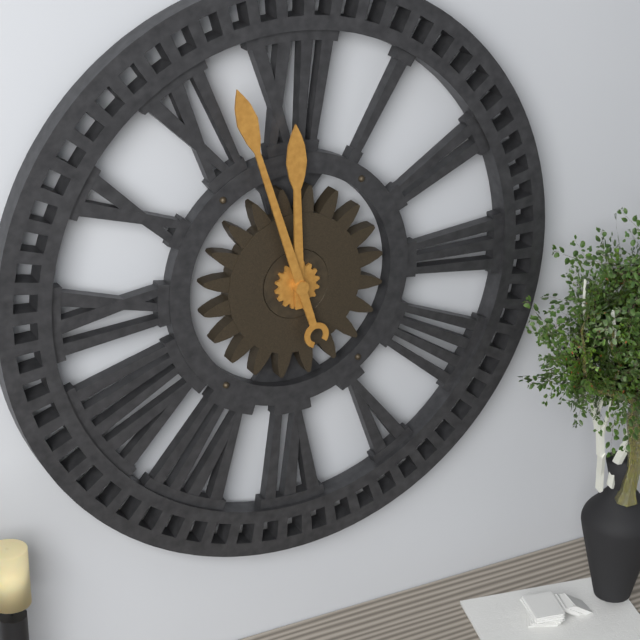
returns 11,57
